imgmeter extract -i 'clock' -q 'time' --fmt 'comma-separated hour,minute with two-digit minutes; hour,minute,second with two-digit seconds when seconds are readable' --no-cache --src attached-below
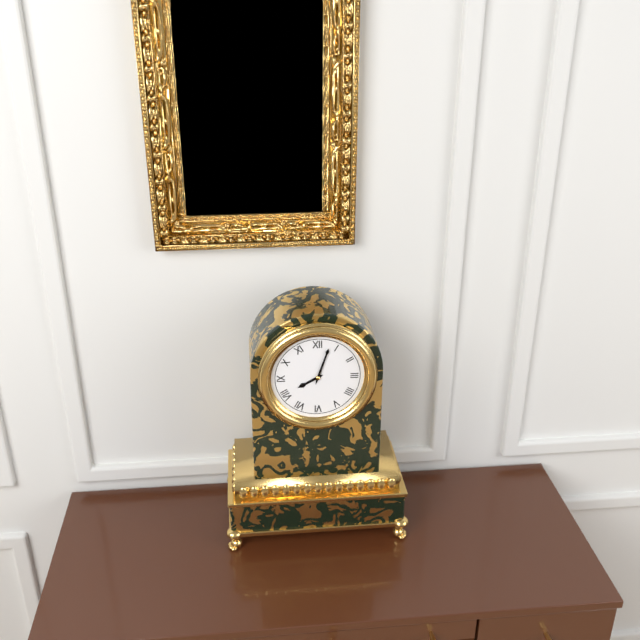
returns 8,03
